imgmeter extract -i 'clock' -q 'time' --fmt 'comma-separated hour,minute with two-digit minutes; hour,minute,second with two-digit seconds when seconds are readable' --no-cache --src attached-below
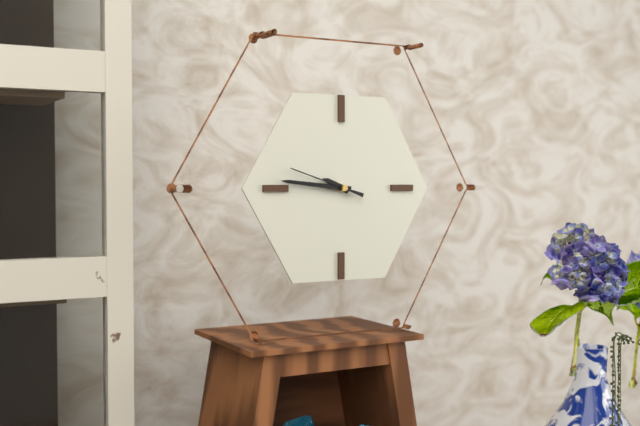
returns 9,46,48
